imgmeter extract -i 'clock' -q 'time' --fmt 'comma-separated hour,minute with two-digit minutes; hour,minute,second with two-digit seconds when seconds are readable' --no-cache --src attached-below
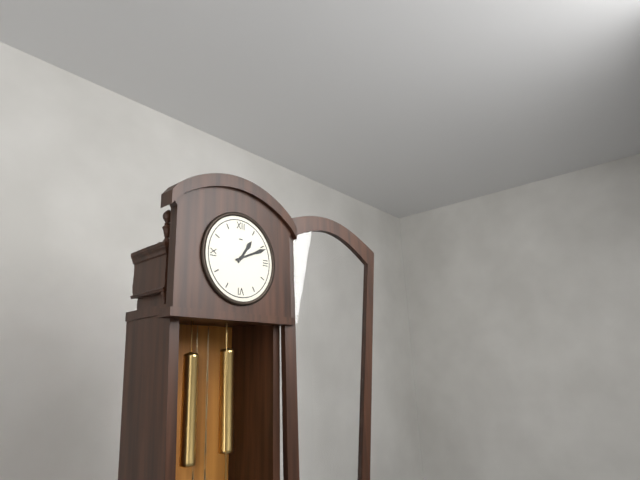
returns 1,11
